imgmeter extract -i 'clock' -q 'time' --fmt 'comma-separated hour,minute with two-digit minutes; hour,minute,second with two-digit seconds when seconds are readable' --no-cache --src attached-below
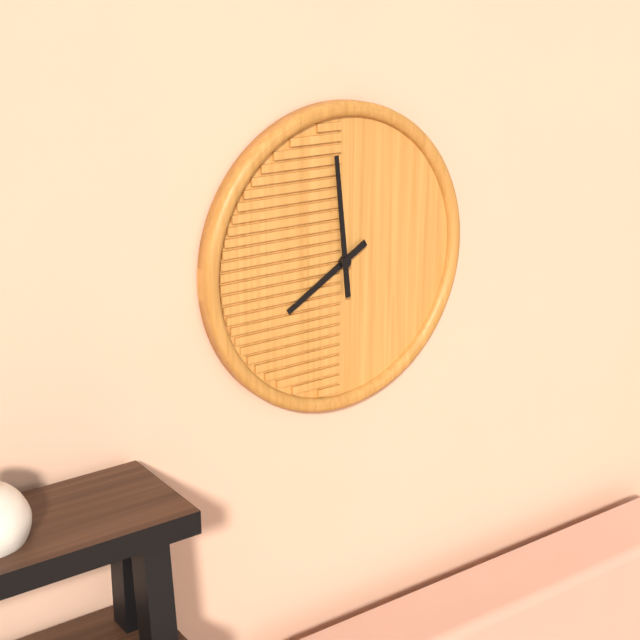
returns 7,59
